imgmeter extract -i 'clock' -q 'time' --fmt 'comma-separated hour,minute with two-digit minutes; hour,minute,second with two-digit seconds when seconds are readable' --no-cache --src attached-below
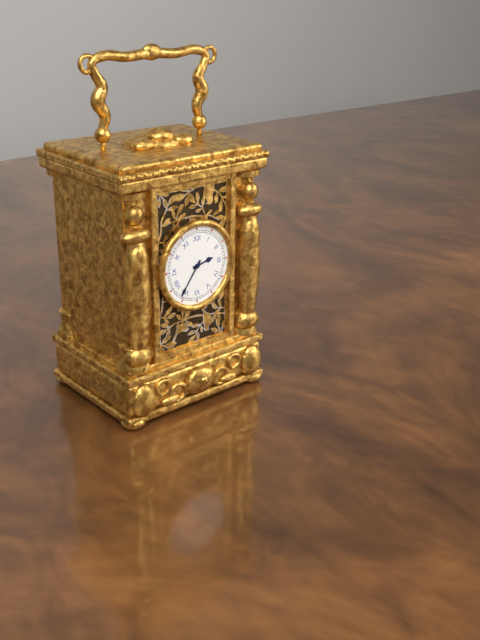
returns 2,36
